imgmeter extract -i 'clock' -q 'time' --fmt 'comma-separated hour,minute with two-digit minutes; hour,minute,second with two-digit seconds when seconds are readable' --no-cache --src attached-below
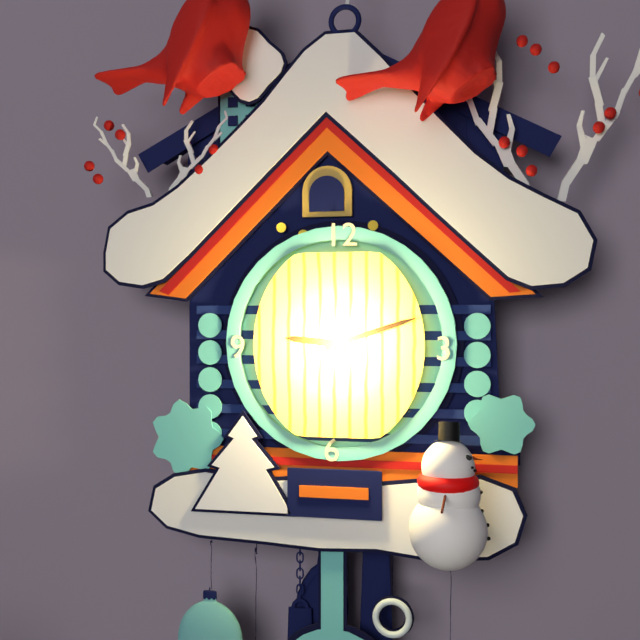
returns 9,12
